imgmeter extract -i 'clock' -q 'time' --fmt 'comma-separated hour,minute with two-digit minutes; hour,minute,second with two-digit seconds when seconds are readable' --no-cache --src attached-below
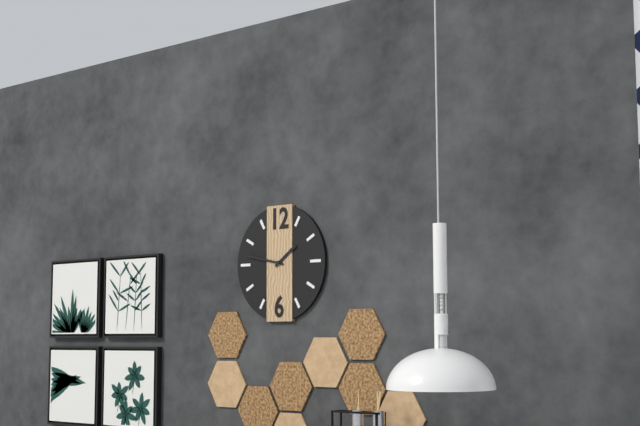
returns 1,47
